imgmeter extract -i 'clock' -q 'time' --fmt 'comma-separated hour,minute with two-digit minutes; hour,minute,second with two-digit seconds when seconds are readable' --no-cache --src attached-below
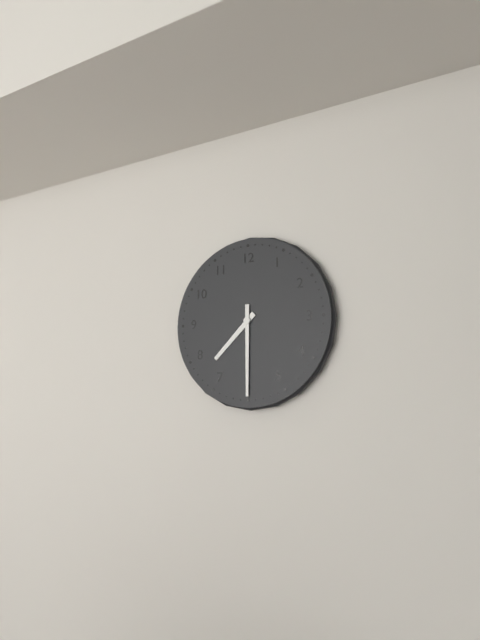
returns 7,30
